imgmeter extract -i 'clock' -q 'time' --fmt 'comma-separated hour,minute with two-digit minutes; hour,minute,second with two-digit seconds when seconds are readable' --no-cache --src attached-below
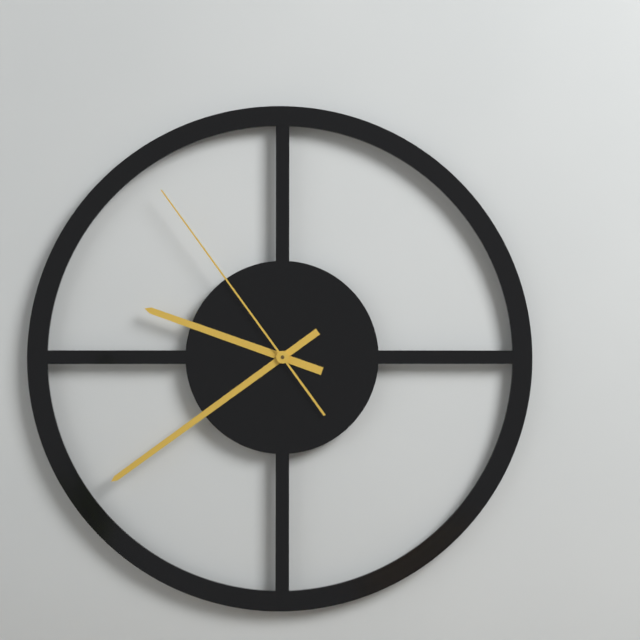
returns 9,39,54
